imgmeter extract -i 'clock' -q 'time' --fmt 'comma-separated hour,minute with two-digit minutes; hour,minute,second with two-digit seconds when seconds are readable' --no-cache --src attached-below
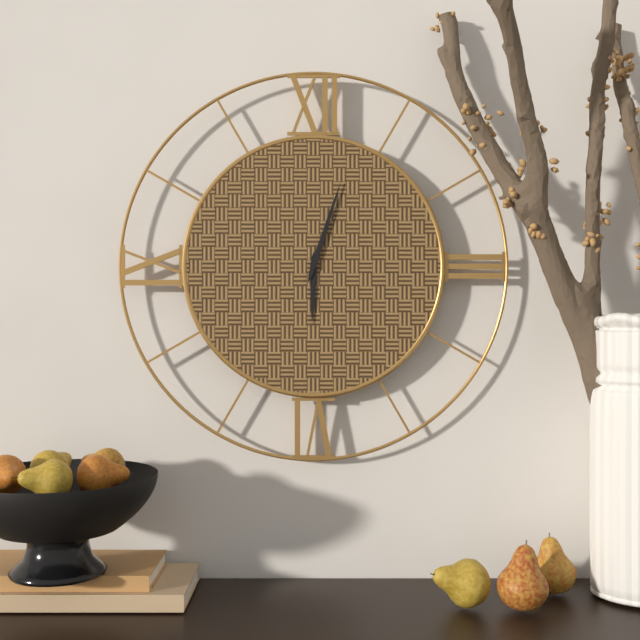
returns 6,03
